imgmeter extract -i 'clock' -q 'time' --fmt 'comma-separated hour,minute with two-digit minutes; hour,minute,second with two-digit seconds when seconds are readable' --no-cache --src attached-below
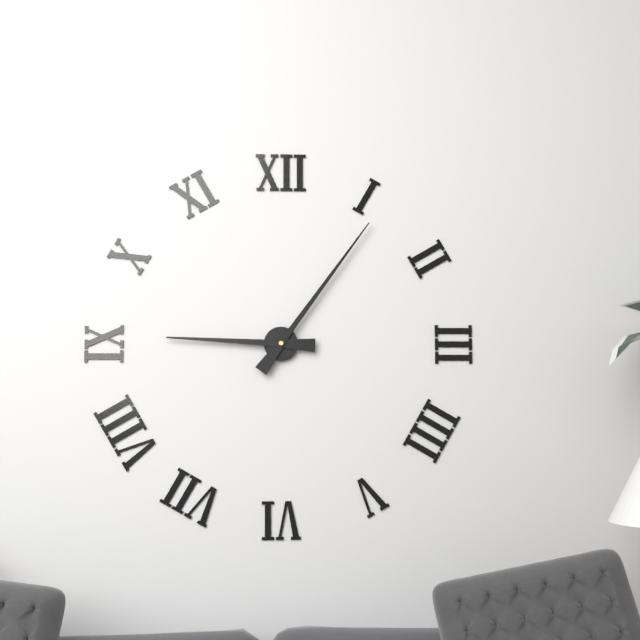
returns 9,06
